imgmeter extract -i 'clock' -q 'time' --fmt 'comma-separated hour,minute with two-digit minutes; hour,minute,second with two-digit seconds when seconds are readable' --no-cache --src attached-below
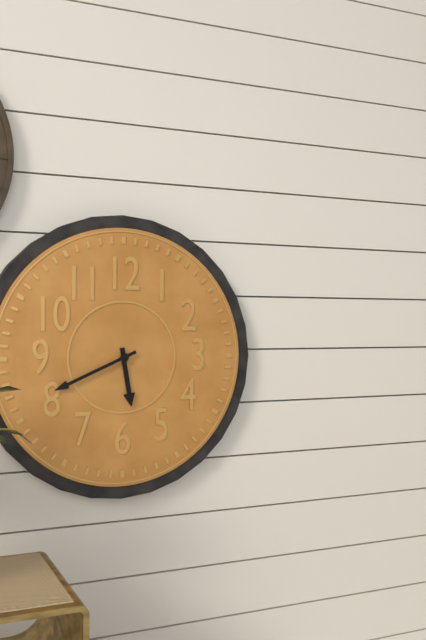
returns 5,41
